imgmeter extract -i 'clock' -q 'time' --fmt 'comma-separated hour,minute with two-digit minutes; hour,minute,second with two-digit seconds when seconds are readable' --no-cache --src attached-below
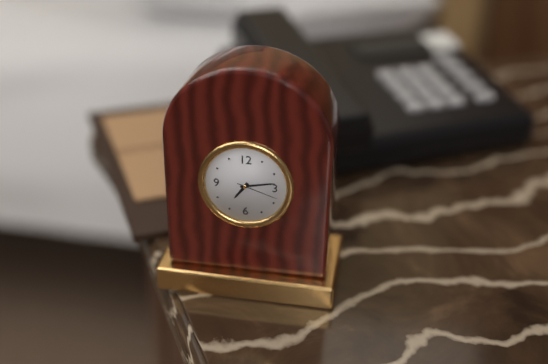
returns 7,13
